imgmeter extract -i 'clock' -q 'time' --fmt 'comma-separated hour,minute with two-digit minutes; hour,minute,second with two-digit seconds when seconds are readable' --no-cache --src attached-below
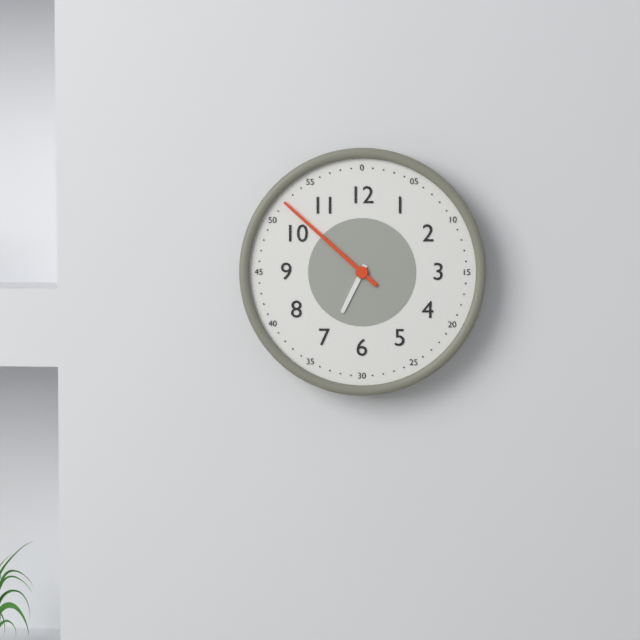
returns 6,52
